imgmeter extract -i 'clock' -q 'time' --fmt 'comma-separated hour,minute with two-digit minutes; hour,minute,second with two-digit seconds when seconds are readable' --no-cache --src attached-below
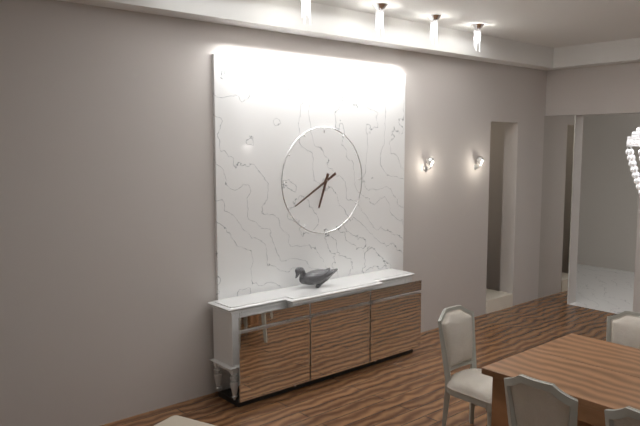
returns 6,40
